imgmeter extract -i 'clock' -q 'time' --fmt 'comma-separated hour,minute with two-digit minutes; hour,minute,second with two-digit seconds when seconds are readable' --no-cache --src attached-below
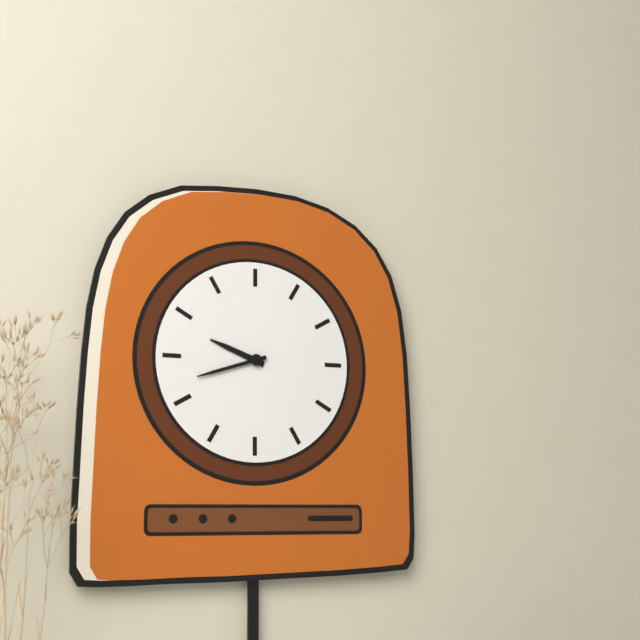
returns 9,42
